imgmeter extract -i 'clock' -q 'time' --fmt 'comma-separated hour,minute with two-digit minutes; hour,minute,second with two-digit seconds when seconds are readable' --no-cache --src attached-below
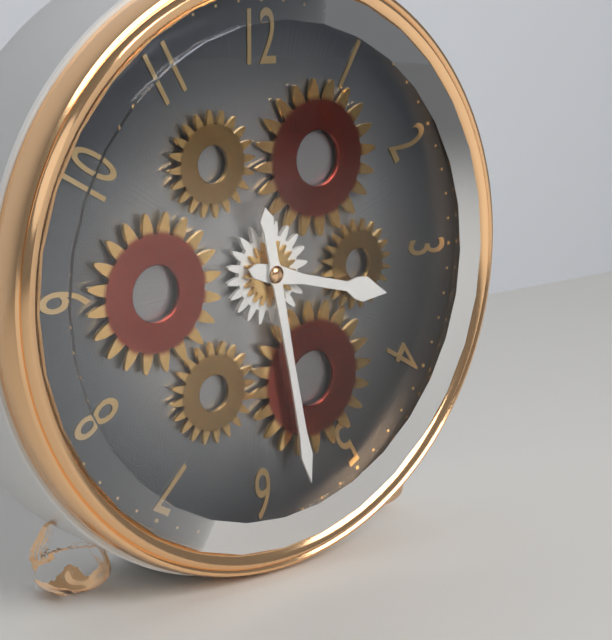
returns 3,28
